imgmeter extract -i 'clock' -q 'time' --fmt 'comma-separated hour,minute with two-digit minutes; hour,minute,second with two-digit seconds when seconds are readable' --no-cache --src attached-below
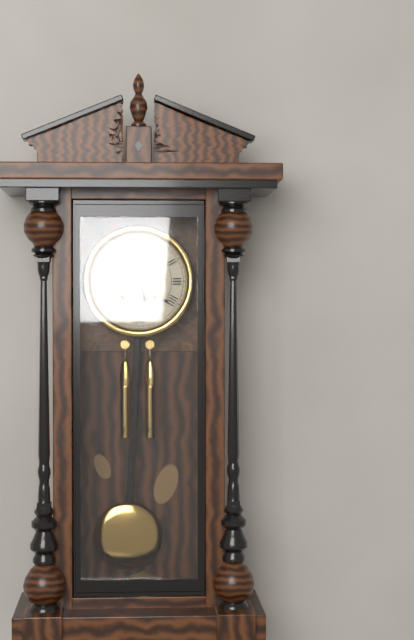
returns 5,21
